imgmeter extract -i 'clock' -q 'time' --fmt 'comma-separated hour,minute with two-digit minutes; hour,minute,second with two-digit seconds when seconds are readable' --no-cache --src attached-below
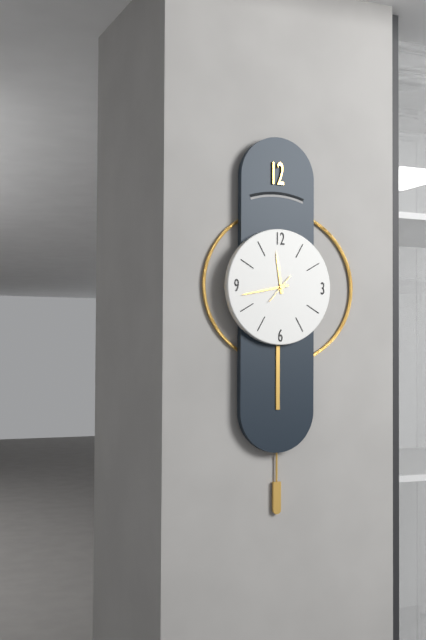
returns 11,43
